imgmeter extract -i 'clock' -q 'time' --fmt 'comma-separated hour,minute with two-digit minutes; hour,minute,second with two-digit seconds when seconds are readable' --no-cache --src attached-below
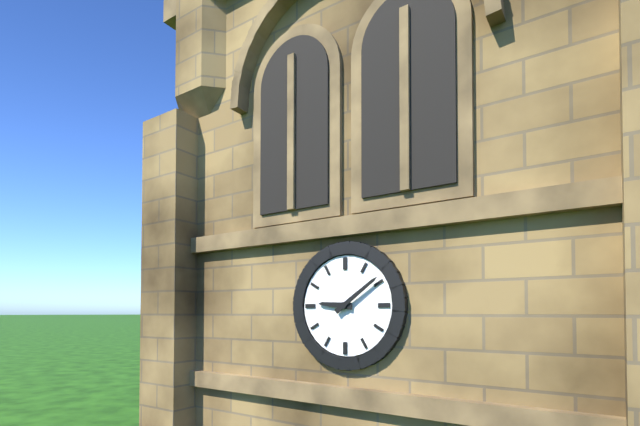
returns 9,09
